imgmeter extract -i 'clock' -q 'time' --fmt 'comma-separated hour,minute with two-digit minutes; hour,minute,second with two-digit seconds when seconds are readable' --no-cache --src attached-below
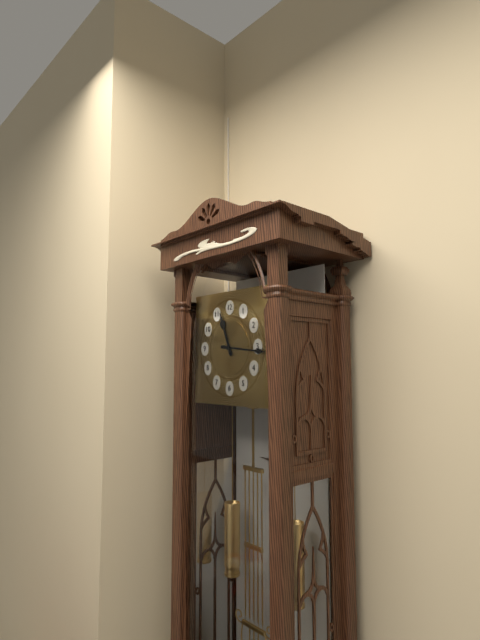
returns 11,16
